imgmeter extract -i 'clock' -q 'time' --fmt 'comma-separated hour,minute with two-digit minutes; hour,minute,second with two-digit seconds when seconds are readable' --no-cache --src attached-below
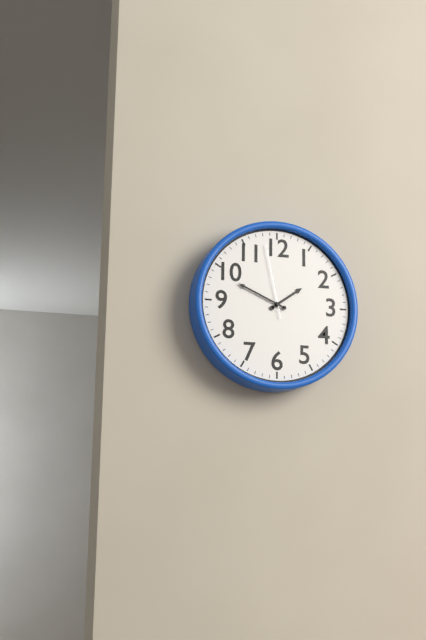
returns 1,49,58
